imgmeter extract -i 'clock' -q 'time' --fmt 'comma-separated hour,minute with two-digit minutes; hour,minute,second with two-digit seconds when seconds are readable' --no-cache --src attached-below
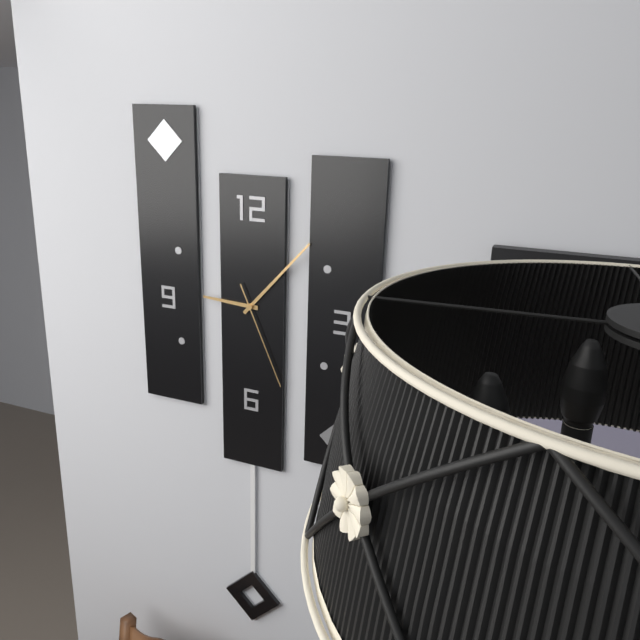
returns 9,07,26
